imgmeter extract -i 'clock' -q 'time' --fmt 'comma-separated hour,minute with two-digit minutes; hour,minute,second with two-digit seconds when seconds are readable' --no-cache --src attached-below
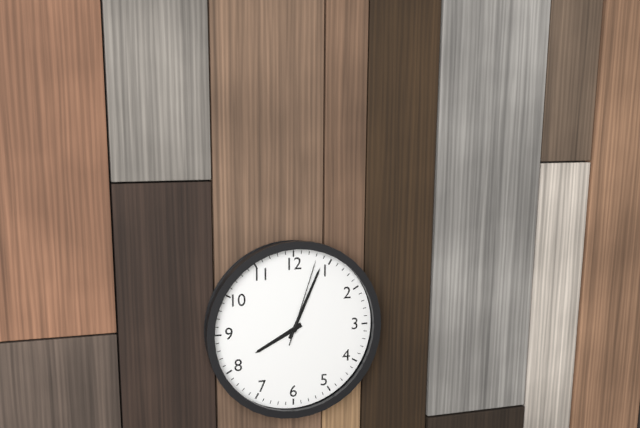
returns 8,04,03
